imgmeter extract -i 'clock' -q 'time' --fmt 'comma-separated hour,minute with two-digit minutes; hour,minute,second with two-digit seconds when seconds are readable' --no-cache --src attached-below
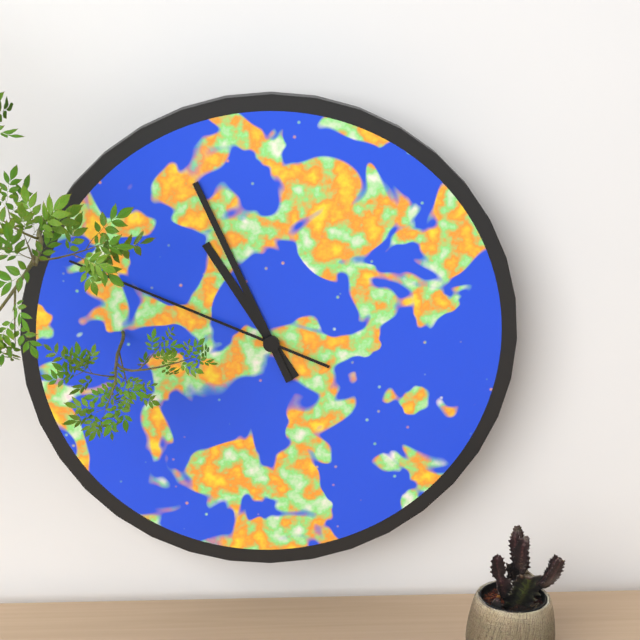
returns 10,56,49
